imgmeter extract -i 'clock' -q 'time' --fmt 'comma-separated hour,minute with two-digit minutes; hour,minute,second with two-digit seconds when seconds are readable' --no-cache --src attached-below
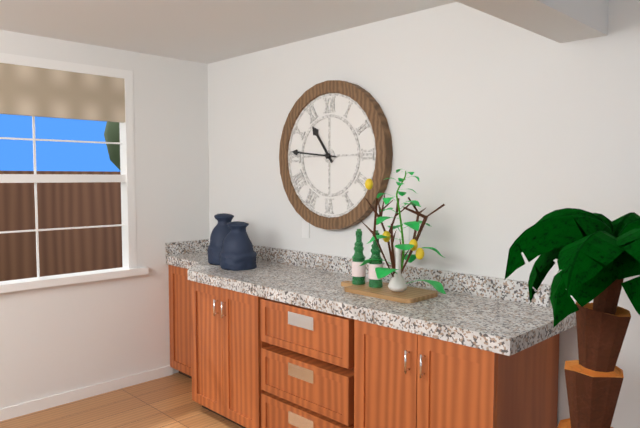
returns 10,46
